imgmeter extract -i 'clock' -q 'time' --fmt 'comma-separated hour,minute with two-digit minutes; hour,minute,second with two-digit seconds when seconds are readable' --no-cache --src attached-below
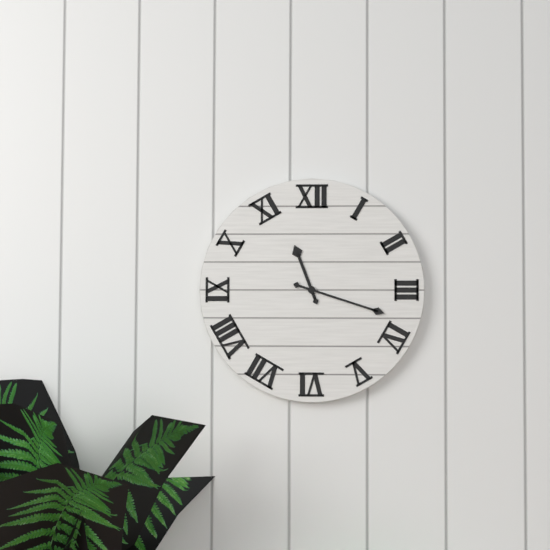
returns 11,18
